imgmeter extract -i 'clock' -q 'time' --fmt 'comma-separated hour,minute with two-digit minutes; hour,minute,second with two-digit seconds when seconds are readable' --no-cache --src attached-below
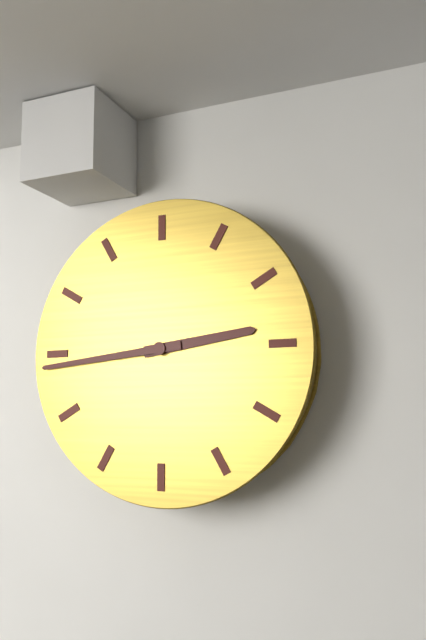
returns 2,44
